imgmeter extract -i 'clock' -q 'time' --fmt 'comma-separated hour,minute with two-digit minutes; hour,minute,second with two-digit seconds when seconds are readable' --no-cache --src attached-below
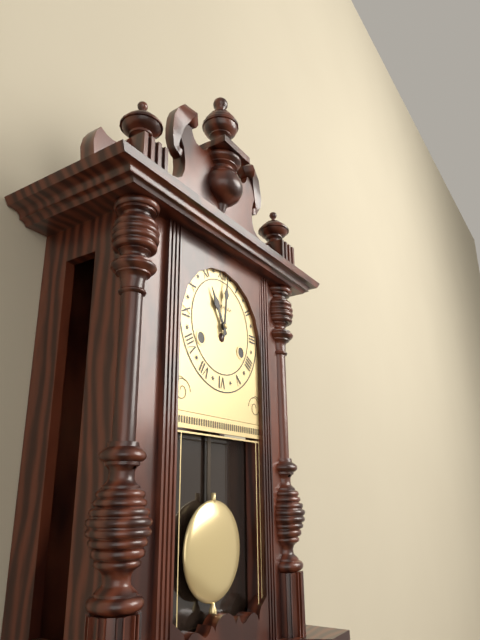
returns 11,01
